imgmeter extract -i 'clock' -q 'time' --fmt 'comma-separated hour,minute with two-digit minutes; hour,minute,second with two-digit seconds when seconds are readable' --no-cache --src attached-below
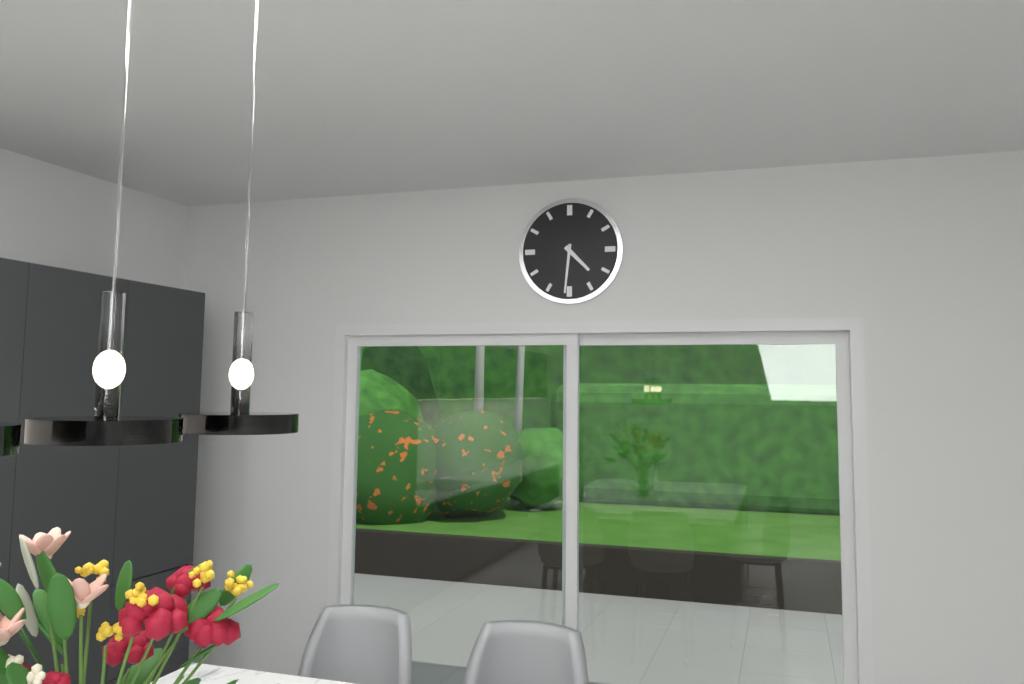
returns 4,31
